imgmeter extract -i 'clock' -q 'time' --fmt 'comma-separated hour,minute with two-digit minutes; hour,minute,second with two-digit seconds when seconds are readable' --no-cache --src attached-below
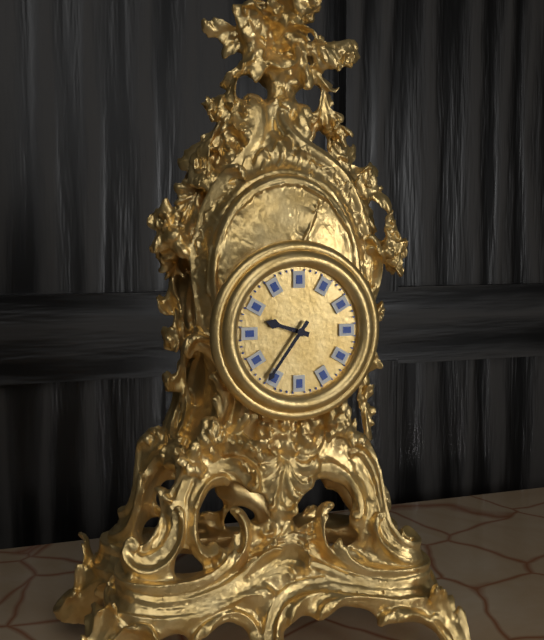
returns 9,36
